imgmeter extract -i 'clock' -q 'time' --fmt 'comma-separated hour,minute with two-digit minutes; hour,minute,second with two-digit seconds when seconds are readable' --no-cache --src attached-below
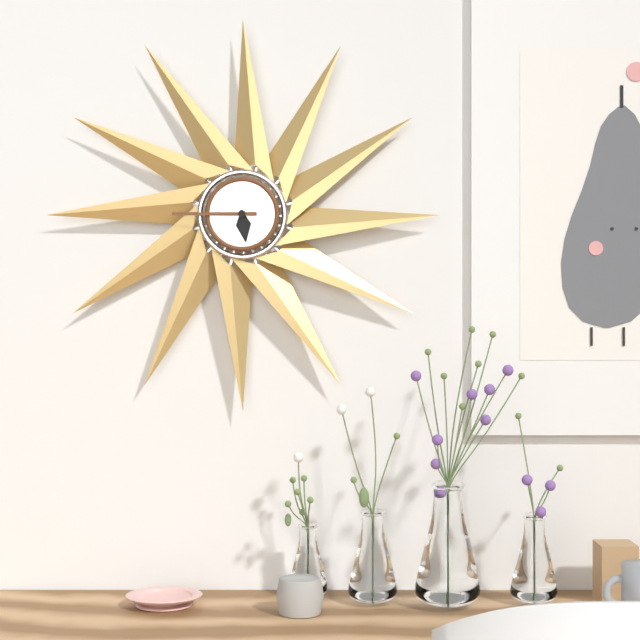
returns 5,45
